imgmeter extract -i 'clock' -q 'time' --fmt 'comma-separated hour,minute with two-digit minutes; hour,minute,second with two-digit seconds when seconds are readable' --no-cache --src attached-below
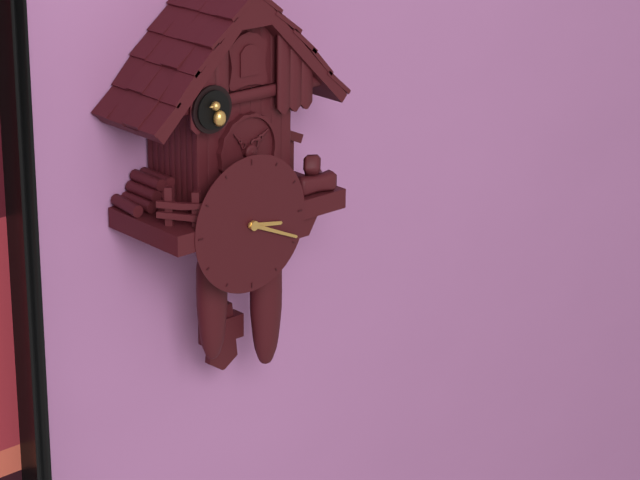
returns 3,19
